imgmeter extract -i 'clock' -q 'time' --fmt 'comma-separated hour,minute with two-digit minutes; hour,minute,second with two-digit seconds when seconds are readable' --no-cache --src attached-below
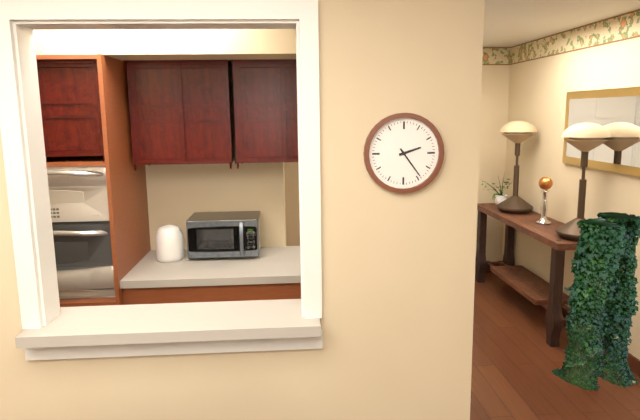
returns 2,24
